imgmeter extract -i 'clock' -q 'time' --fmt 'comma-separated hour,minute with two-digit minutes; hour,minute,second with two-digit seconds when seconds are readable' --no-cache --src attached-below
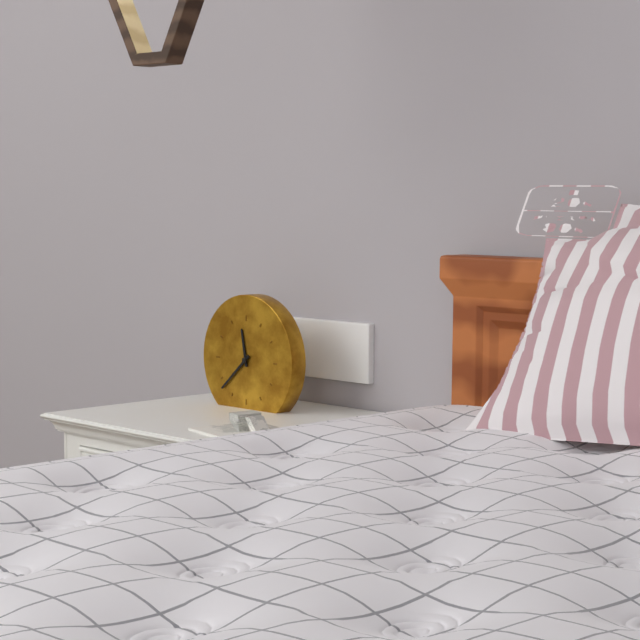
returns 11,38
